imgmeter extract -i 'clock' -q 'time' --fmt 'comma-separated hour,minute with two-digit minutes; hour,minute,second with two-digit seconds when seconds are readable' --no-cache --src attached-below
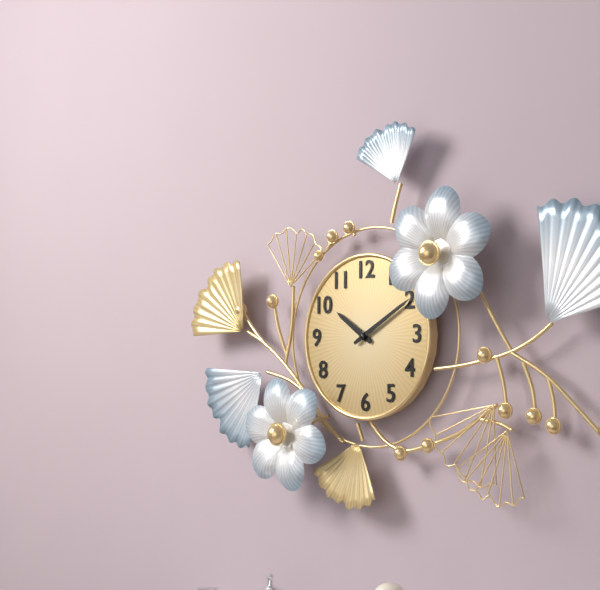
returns 10,10
